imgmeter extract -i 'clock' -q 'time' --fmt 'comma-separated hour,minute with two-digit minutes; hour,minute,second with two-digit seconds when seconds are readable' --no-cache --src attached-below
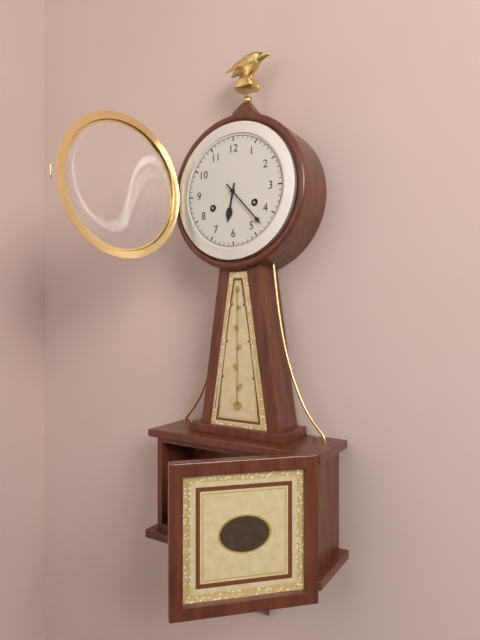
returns 6,23
